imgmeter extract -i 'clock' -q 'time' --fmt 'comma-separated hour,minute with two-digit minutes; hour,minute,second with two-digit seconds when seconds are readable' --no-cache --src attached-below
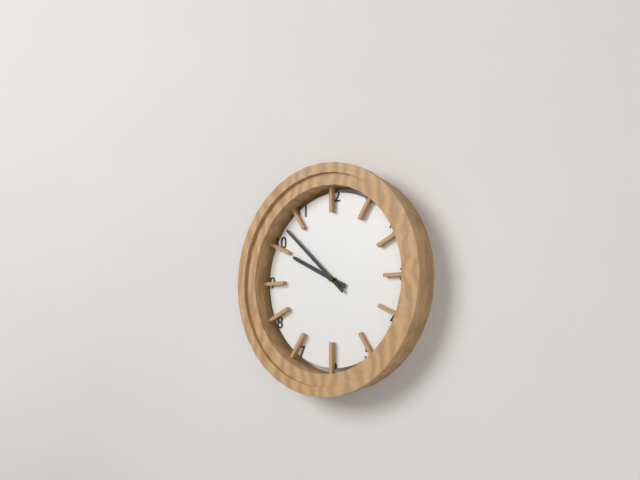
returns 9,52
